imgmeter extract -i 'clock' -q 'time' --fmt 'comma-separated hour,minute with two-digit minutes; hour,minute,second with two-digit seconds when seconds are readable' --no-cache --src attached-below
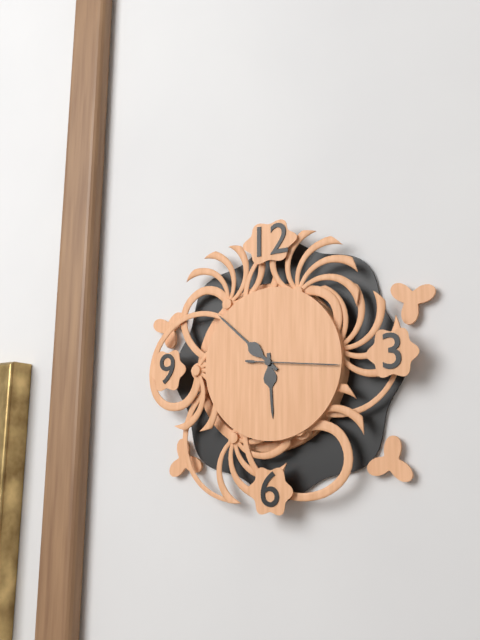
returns 5,52,16
